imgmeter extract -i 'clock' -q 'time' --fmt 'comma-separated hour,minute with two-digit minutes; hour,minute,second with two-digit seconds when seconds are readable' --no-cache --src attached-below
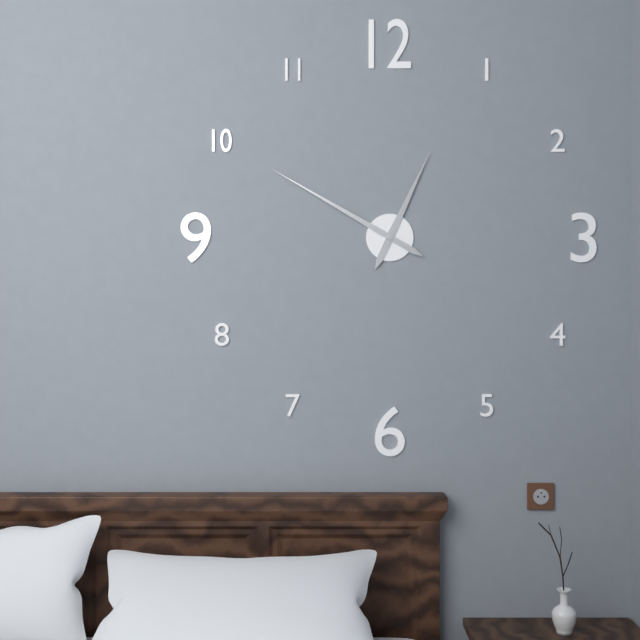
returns 12,50
